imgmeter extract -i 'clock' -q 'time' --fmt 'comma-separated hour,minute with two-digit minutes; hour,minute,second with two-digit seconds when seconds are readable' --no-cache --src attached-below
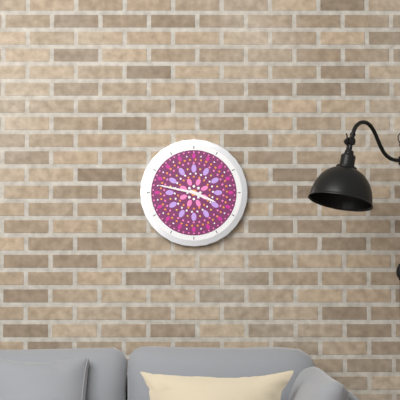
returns 3,47
